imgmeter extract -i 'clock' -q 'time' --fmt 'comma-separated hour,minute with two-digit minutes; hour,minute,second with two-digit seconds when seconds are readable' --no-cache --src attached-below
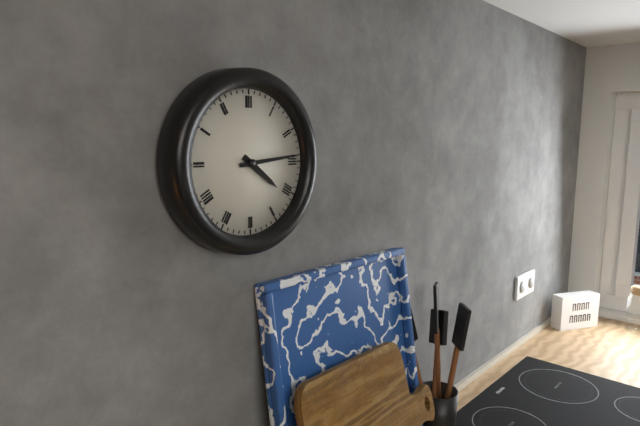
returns 4,14
